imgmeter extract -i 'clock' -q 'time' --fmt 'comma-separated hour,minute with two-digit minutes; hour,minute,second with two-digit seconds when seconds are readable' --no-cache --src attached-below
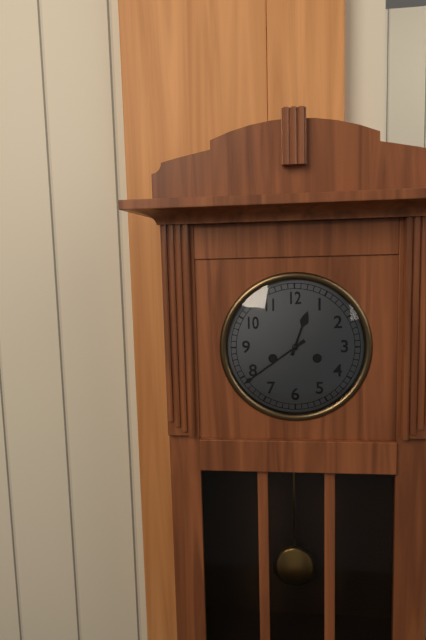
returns 12,39
